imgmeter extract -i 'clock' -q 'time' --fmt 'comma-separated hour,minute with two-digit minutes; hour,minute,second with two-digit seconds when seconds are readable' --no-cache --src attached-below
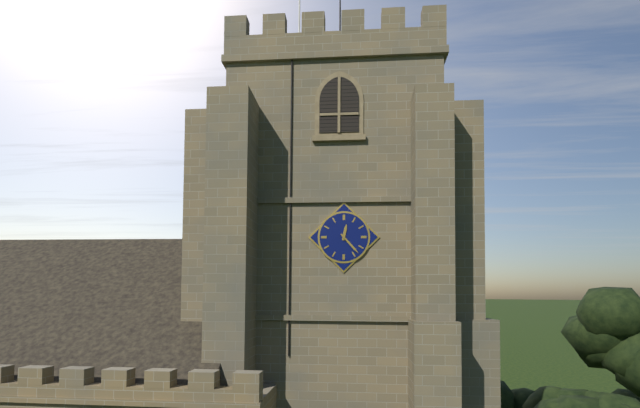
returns 12,23
